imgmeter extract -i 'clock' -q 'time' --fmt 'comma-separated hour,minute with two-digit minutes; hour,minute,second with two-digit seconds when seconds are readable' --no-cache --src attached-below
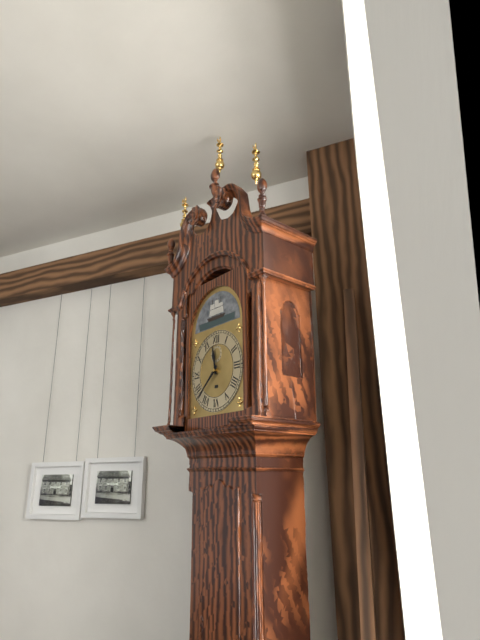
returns 11,38
